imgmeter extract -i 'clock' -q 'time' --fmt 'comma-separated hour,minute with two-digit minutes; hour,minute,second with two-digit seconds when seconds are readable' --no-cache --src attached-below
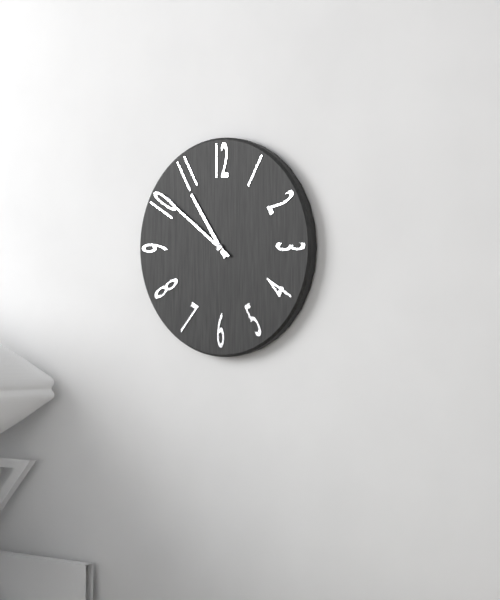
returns 10,51
